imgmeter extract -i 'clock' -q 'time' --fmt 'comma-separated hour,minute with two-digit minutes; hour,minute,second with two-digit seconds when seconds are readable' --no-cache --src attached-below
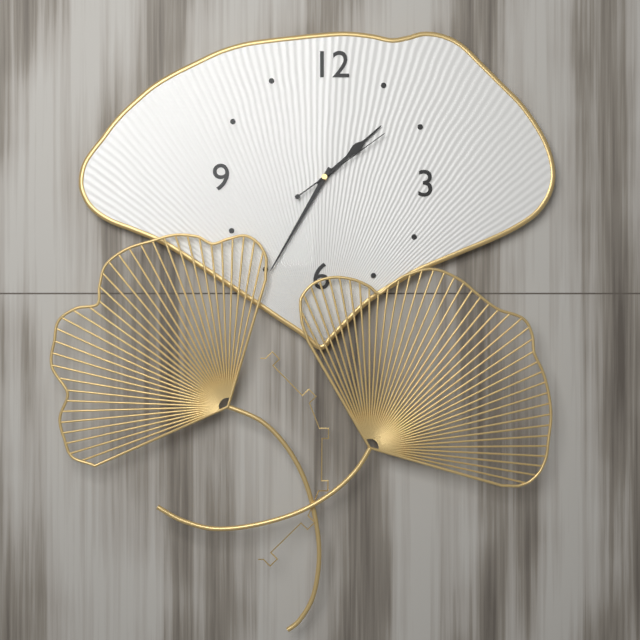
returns 1,35,09
